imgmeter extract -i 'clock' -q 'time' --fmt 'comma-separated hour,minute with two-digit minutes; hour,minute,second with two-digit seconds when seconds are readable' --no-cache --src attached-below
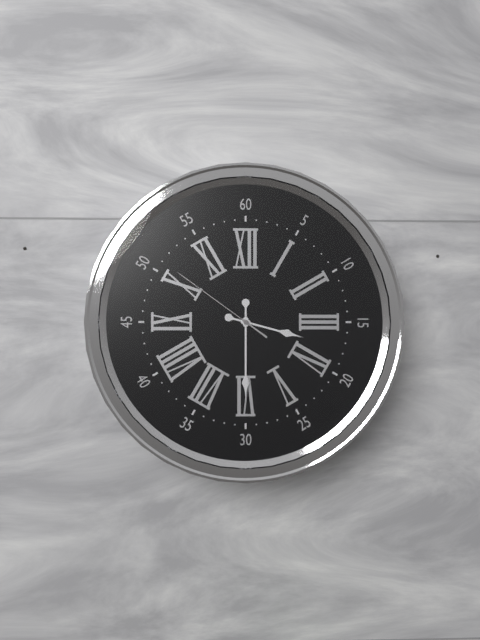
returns 3,30,51
